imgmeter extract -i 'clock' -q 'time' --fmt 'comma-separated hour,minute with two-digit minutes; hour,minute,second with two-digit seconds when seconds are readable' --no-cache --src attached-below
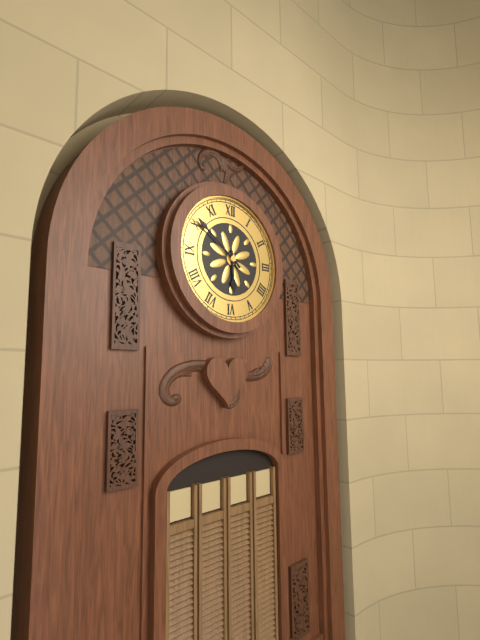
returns 5,51
